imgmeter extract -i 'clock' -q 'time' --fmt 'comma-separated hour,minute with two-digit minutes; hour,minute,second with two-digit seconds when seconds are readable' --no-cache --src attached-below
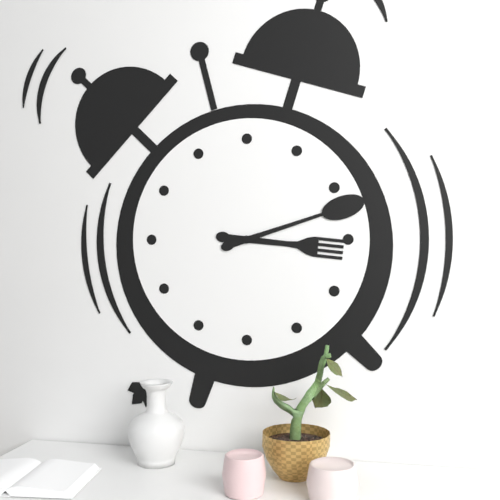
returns 3,12
